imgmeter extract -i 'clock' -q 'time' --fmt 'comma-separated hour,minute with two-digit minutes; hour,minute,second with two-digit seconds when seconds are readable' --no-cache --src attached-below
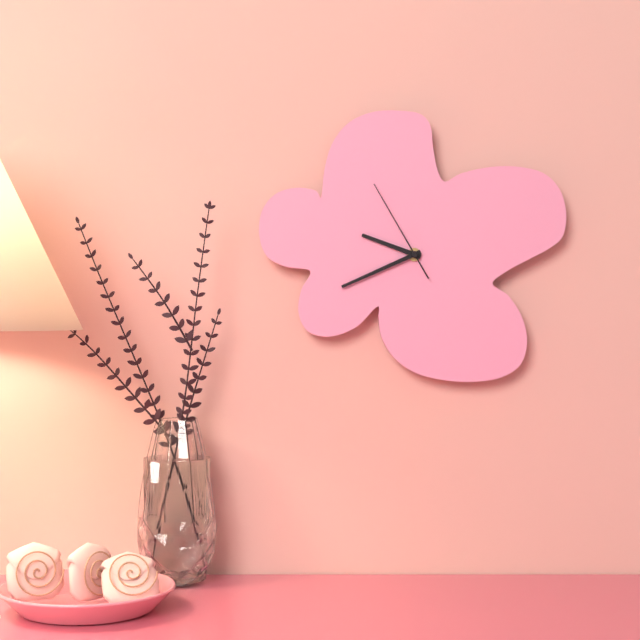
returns 9,41,55
